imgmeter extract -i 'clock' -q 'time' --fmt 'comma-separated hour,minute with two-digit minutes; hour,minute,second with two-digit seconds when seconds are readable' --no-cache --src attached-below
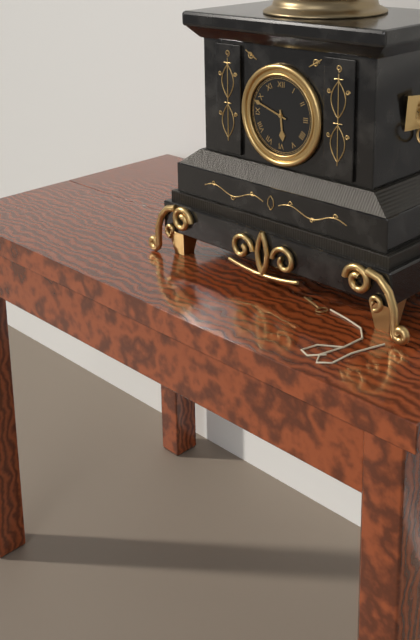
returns 5,48
